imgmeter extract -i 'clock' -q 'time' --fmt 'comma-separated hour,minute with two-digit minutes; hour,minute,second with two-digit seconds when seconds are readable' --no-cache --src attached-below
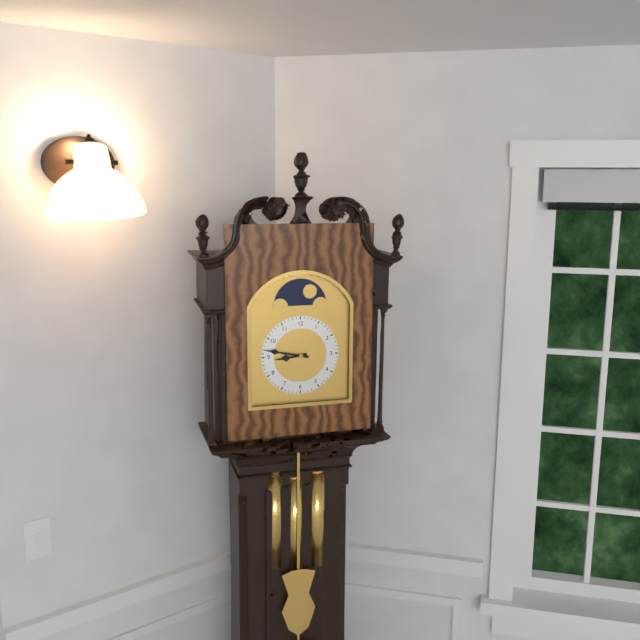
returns 8,47
